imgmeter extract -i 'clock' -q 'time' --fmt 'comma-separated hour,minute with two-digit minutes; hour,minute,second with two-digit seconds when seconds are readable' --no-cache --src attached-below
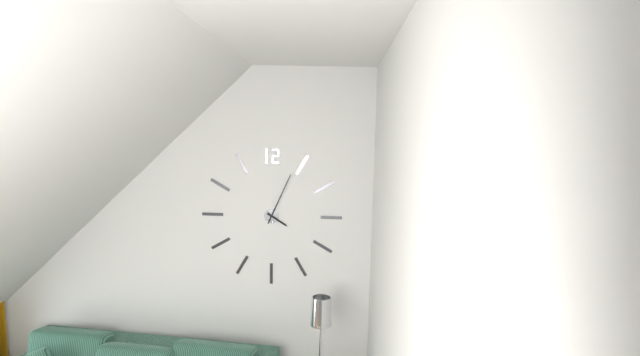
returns 4,04
